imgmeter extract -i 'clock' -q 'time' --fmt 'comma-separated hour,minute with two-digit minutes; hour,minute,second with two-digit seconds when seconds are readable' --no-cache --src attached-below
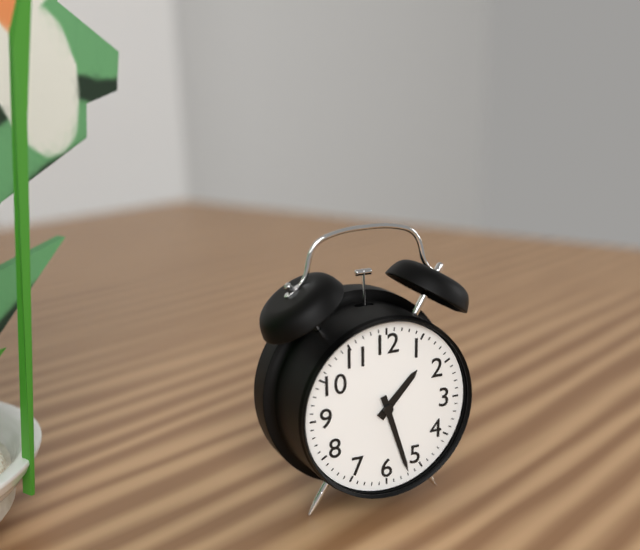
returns 1,27
